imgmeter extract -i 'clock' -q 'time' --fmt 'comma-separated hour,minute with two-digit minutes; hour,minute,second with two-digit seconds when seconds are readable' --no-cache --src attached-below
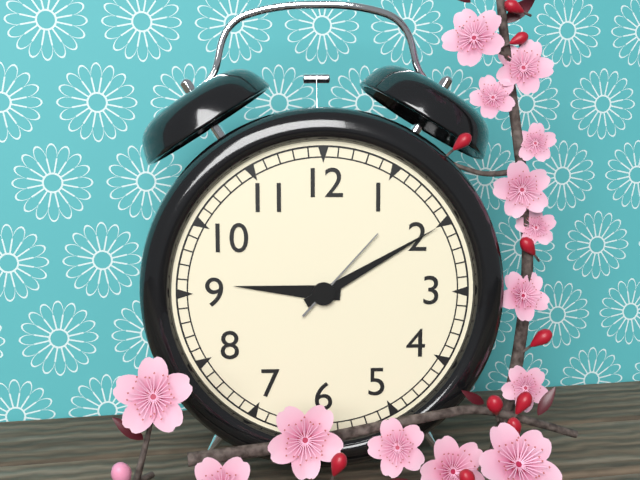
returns 9,10,07
